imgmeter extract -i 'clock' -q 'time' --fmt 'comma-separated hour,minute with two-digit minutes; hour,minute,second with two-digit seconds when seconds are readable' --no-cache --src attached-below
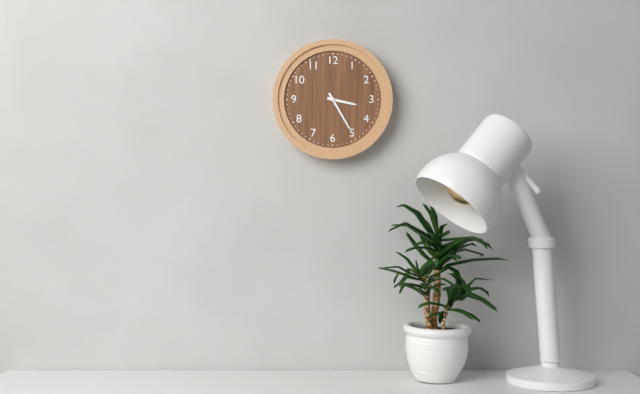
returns 3,25
